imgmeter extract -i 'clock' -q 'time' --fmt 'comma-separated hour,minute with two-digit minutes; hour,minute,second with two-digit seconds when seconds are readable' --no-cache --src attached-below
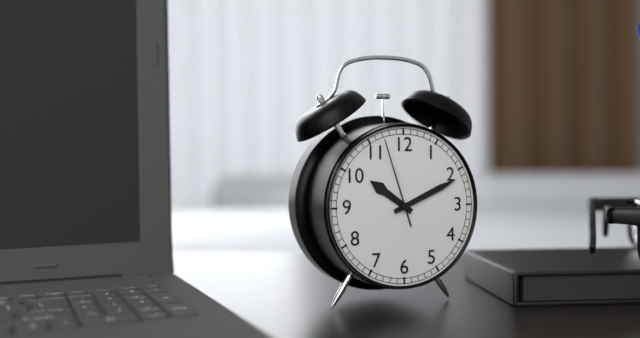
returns 10,11,57
